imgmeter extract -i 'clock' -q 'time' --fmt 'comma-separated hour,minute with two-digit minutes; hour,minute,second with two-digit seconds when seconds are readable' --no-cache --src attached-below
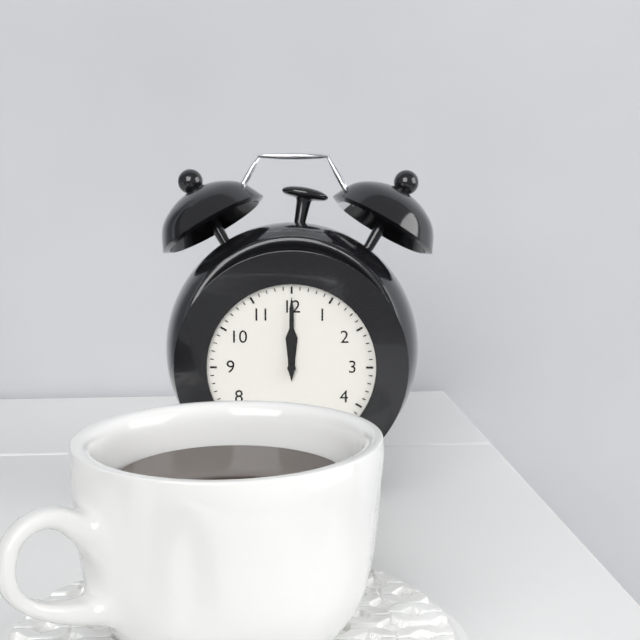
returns 12,00
